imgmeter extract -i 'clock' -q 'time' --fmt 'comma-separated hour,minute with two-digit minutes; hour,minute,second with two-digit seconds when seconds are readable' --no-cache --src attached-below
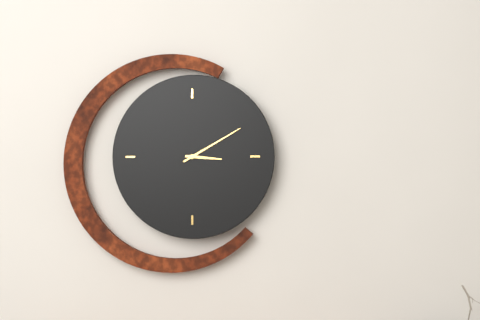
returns 3,10
